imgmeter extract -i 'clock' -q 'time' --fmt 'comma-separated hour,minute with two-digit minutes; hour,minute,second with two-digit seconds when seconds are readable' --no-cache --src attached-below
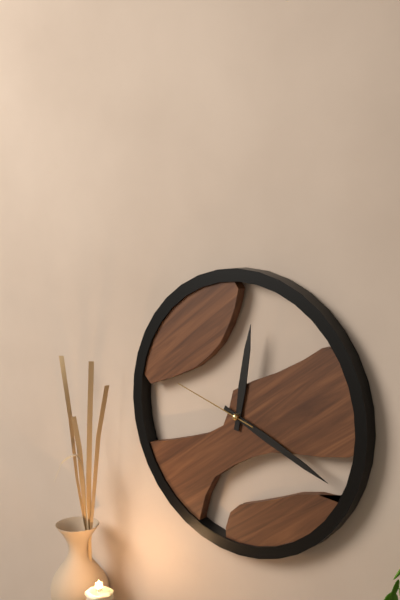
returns 12,19,48
